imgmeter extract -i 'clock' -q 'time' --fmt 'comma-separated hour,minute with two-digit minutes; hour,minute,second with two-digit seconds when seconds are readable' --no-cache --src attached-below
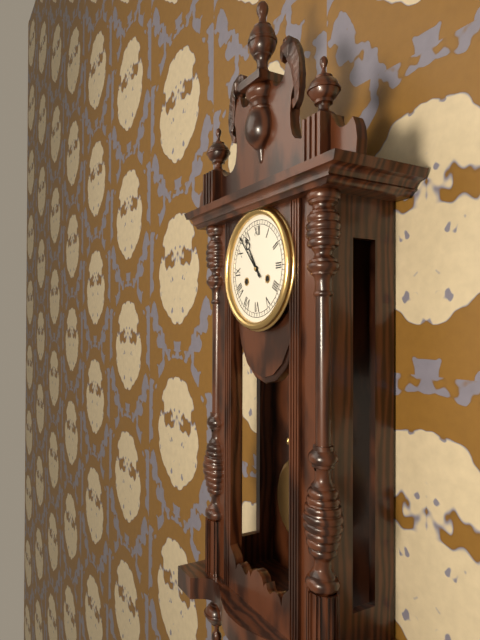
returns 10,53
